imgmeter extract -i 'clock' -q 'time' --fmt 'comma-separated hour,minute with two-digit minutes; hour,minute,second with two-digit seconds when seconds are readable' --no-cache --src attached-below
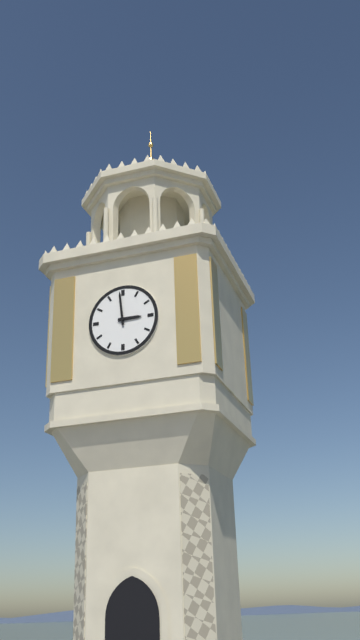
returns 2,59
